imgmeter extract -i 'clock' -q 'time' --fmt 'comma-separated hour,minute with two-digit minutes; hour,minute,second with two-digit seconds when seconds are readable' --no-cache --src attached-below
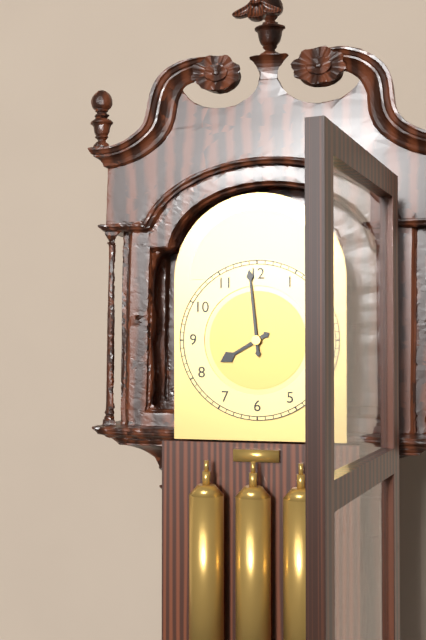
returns 7,59
